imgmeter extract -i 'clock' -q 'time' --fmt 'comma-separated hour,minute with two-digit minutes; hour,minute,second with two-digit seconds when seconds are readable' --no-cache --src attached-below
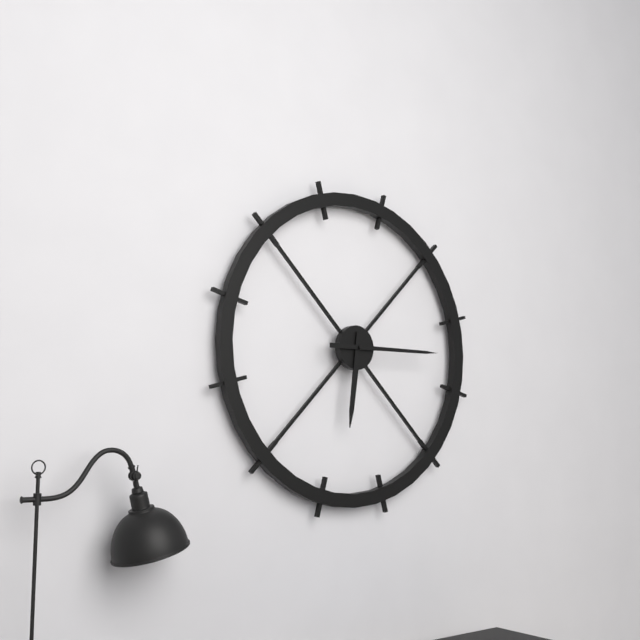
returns 6,15
